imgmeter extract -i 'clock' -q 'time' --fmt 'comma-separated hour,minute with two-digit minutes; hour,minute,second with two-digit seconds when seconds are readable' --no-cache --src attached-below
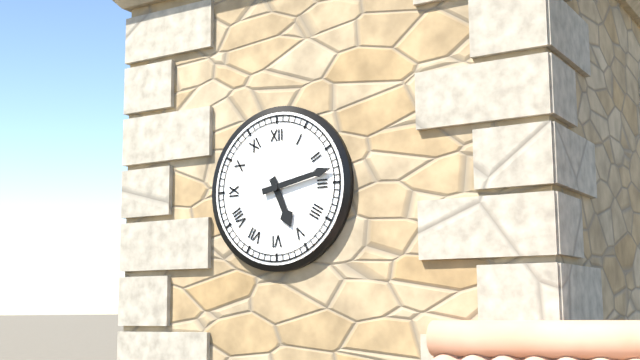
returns 5,13
